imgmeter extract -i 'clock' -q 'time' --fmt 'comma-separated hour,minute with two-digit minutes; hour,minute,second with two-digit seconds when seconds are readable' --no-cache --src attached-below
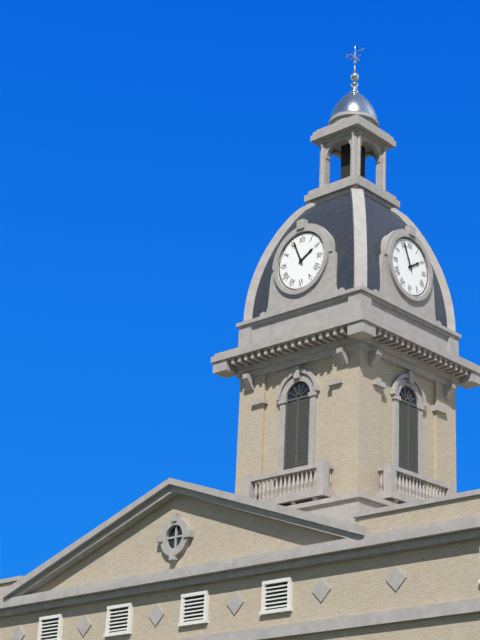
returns 1,56
